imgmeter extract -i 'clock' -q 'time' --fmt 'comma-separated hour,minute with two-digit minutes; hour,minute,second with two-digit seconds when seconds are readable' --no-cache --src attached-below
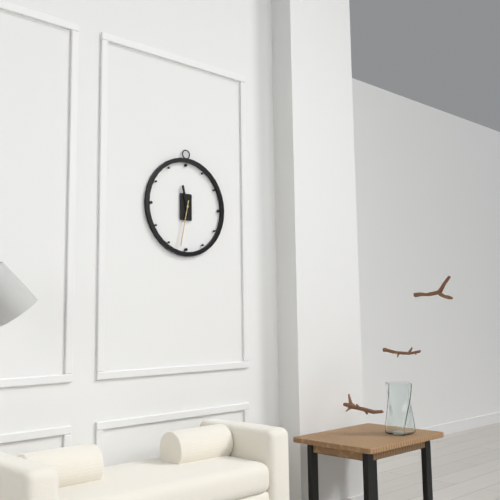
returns 11,32
